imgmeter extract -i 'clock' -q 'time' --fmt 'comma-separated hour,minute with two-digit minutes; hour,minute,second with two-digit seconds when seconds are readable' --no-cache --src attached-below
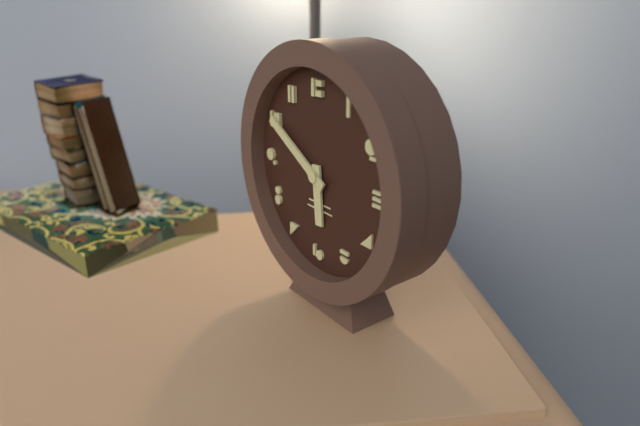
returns 5,50
